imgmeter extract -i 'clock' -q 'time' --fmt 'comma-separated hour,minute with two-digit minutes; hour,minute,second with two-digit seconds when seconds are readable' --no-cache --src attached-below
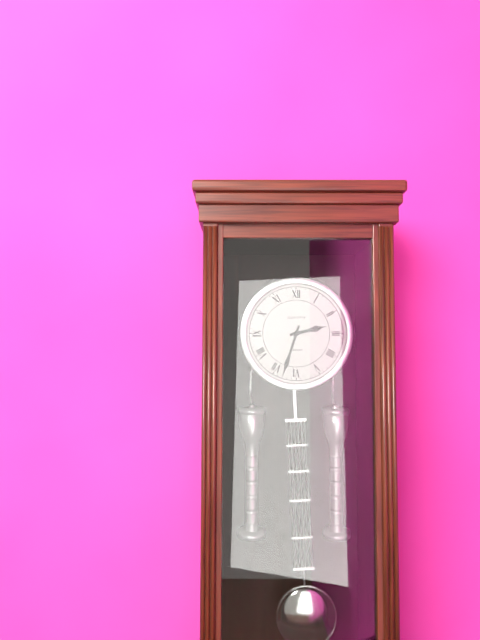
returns 2,33
